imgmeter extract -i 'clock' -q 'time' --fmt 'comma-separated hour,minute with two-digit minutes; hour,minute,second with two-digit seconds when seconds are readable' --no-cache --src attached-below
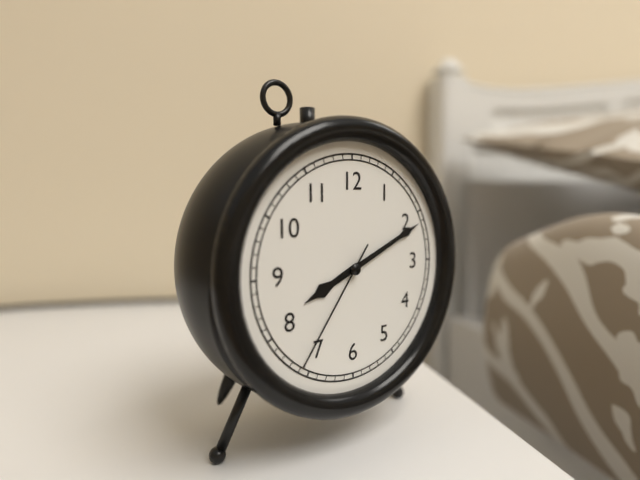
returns 8,11,36
